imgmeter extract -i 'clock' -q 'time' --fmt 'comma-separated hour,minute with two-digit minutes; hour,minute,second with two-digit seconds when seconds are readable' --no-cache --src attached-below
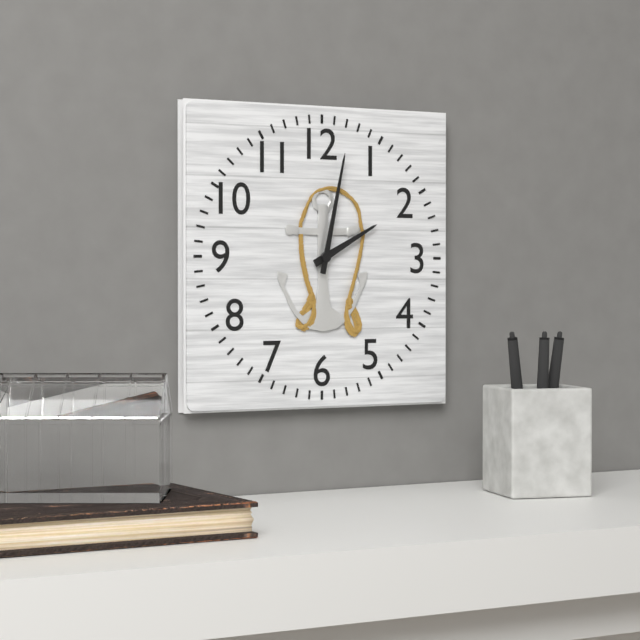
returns 2,02
